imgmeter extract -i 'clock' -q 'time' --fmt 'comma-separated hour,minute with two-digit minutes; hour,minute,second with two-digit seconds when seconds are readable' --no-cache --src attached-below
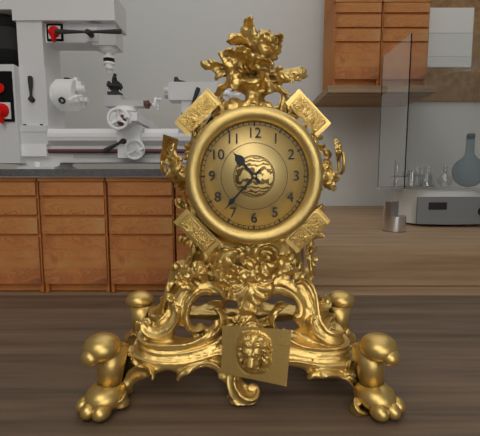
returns 10,37
